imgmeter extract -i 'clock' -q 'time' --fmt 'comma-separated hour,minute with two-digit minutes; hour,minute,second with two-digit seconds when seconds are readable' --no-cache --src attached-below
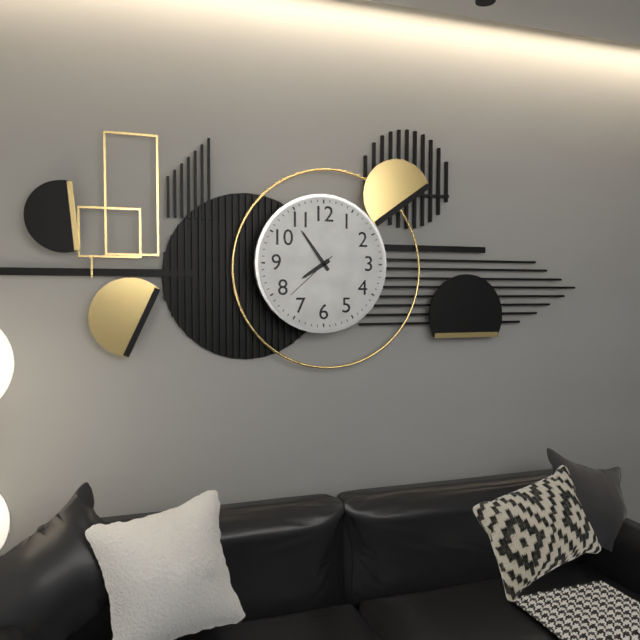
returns 7,54,38
